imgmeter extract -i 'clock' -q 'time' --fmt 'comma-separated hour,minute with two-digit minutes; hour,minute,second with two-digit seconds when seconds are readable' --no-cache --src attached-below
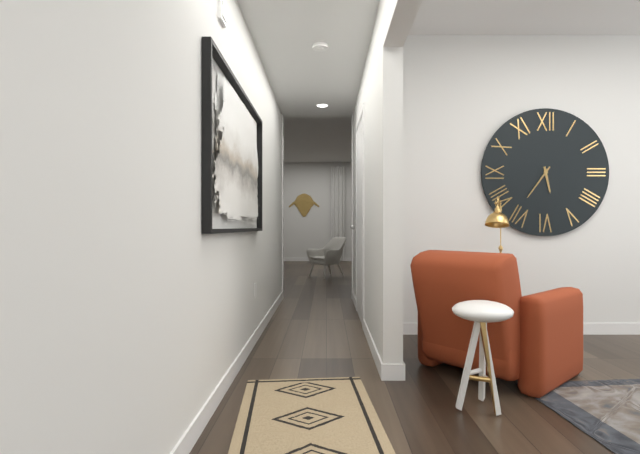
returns 5,36
